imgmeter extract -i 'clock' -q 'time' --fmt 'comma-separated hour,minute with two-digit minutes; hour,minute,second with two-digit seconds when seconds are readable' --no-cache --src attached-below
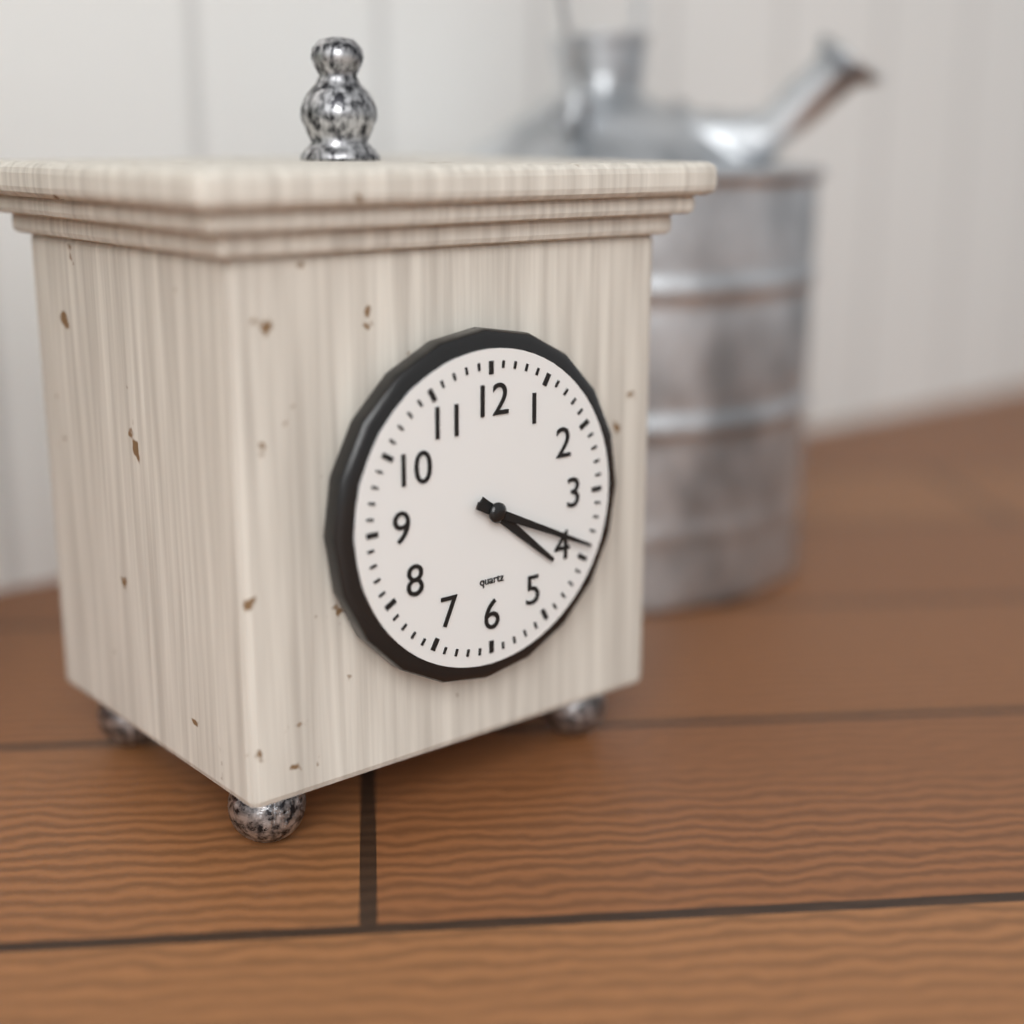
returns 4,19
